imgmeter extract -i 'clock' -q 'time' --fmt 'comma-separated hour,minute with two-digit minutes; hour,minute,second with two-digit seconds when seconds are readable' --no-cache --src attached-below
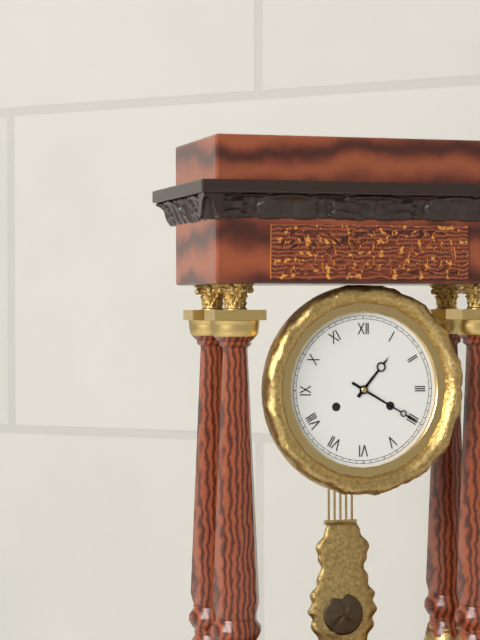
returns 1,20
